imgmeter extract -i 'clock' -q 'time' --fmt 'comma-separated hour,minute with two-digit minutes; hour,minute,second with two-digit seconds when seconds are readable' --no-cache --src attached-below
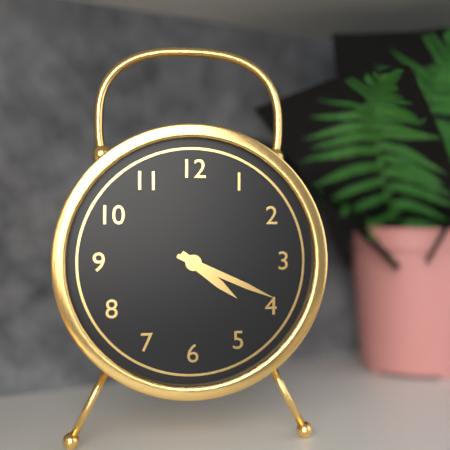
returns 4,19
